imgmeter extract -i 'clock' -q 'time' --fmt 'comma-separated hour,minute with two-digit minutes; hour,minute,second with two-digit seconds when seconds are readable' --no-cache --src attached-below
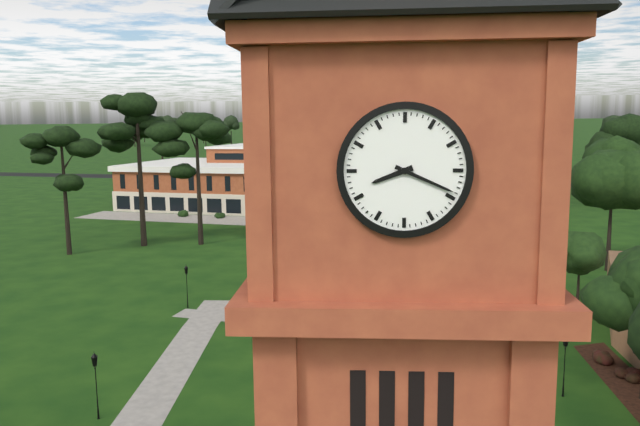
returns 8,19
